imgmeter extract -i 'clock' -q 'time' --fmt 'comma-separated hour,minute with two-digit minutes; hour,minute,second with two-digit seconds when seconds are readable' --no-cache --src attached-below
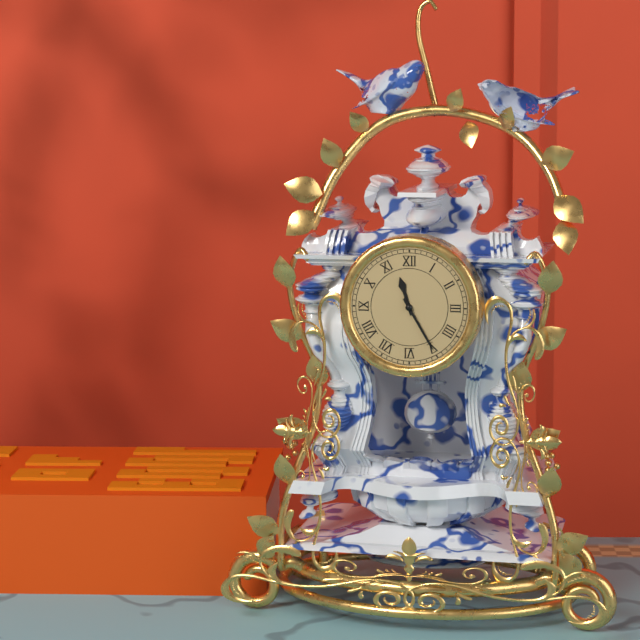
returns 11,25
